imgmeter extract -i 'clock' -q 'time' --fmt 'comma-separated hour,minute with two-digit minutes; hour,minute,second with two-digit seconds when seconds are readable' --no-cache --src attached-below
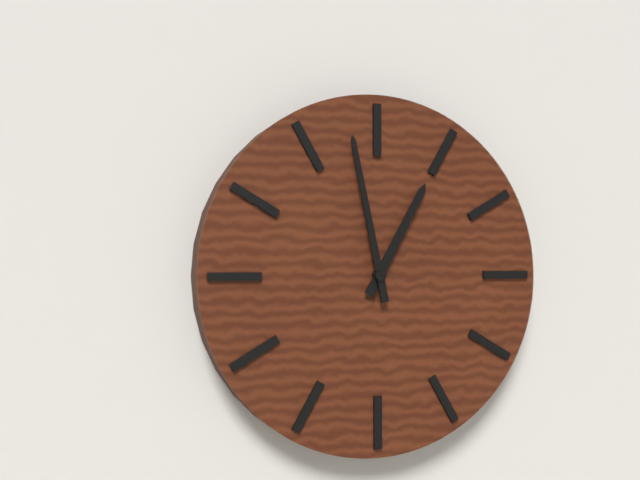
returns 12,58
